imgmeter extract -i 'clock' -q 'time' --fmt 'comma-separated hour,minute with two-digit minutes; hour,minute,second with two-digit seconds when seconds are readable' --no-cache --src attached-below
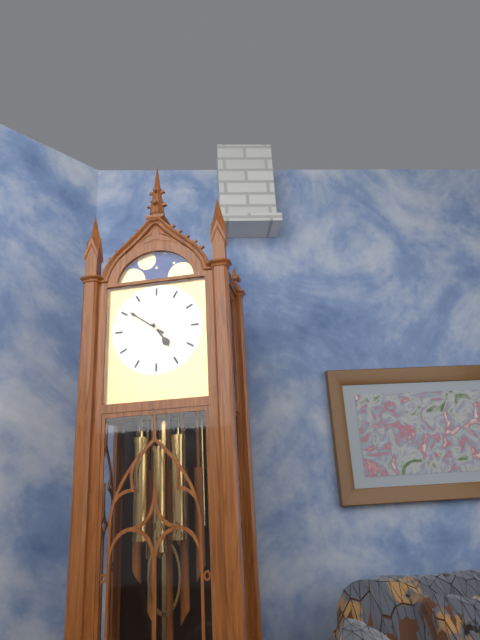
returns 4,51
